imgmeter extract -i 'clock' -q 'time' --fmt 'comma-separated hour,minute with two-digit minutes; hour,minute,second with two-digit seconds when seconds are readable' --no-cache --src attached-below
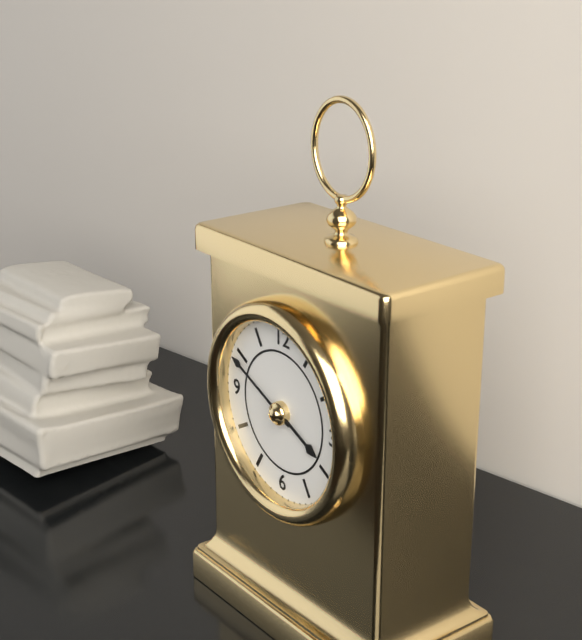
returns 3,49
